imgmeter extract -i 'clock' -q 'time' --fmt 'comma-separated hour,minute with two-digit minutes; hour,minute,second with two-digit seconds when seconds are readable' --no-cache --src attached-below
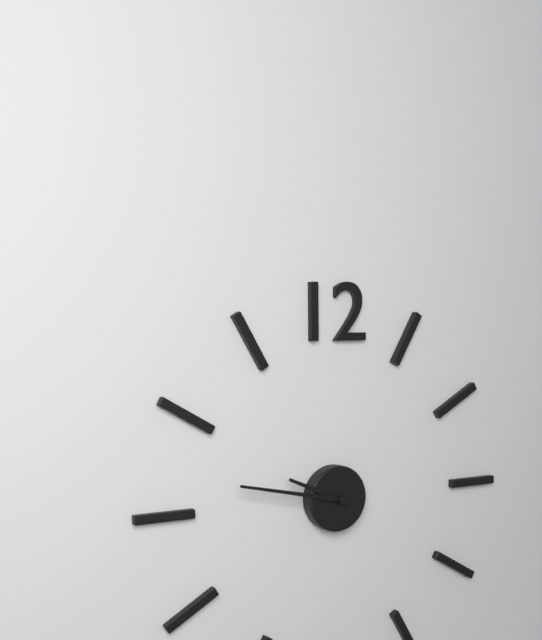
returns 9,47
